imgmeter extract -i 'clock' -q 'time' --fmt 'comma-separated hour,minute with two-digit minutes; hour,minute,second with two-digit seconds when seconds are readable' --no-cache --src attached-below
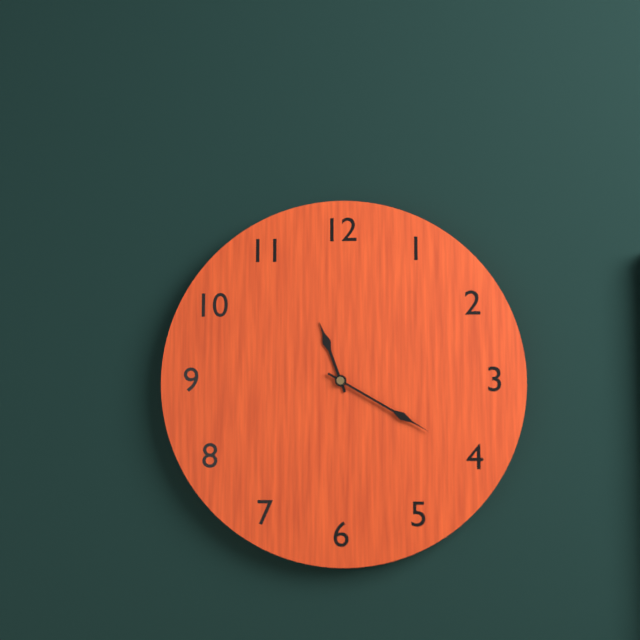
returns 11,20
